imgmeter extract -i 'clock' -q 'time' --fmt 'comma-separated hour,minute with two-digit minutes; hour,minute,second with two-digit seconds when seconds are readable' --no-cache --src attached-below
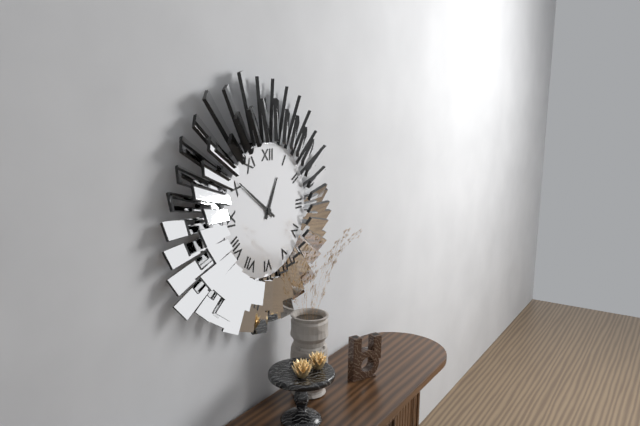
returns 12,51
